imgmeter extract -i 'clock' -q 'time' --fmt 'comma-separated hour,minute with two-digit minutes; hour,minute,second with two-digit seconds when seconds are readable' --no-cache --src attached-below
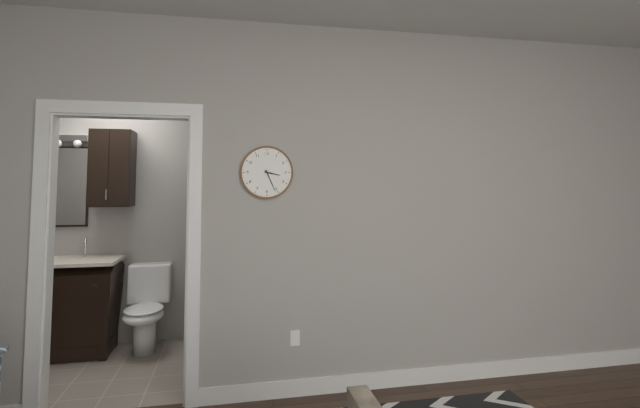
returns 3,26
